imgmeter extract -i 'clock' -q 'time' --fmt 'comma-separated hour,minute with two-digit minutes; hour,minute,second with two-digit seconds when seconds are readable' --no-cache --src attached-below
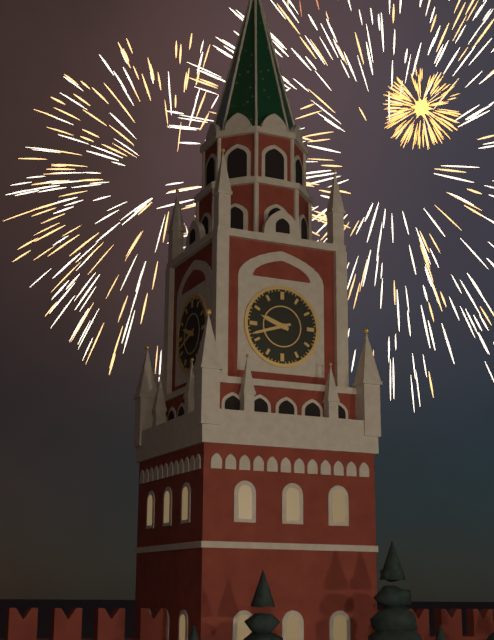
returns 9,42
